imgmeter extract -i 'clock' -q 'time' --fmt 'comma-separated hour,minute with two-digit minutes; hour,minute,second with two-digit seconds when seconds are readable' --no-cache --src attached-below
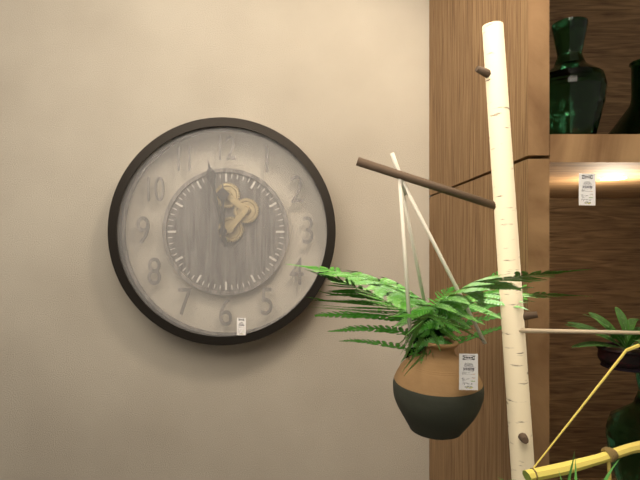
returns 11,58
